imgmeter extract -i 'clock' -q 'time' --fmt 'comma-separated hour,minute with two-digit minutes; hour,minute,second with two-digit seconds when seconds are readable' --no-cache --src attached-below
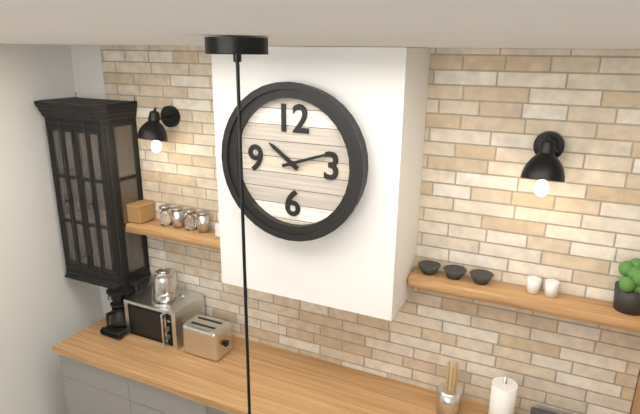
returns 10,12
